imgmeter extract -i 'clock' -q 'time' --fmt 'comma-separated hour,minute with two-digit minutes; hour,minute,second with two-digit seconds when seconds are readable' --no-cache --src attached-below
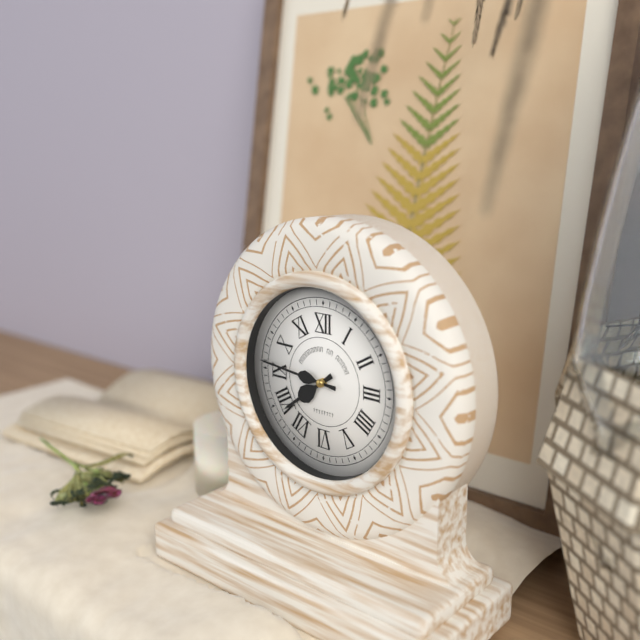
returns 7,46
